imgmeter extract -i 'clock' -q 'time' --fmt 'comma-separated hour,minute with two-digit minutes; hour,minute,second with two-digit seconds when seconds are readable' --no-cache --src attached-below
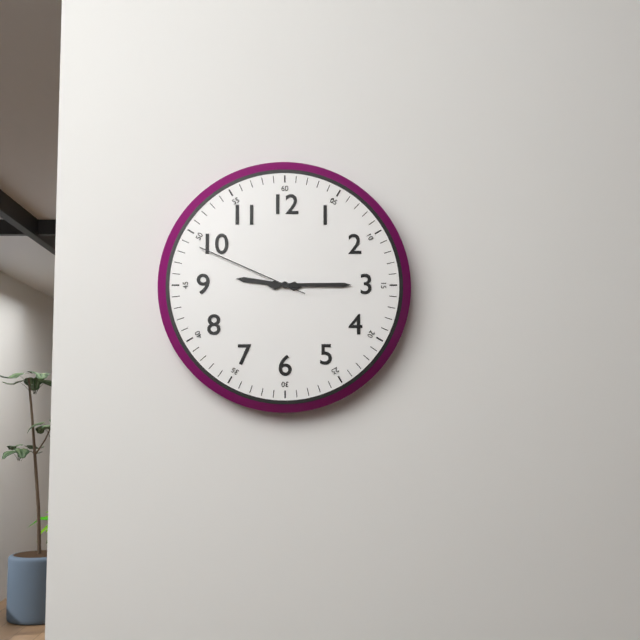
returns 9,15,49
